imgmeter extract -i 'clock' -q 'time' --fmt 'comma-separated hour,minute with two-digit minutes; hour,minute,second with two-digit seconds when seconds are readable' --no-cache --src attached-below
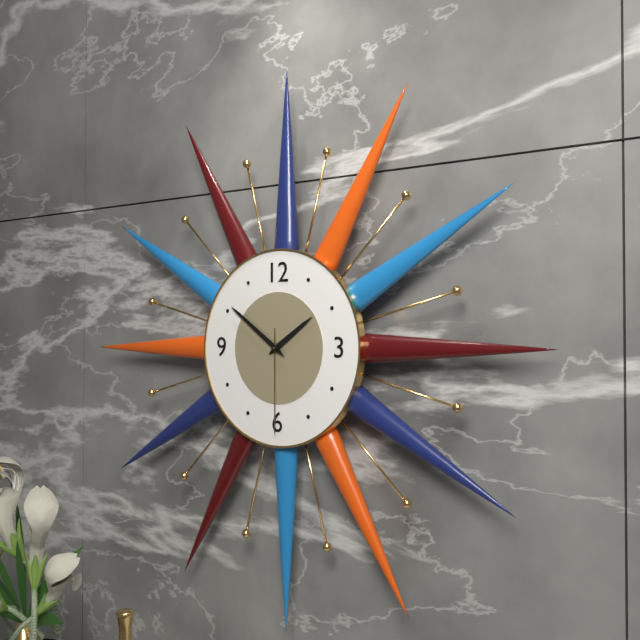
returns 1,51,30
